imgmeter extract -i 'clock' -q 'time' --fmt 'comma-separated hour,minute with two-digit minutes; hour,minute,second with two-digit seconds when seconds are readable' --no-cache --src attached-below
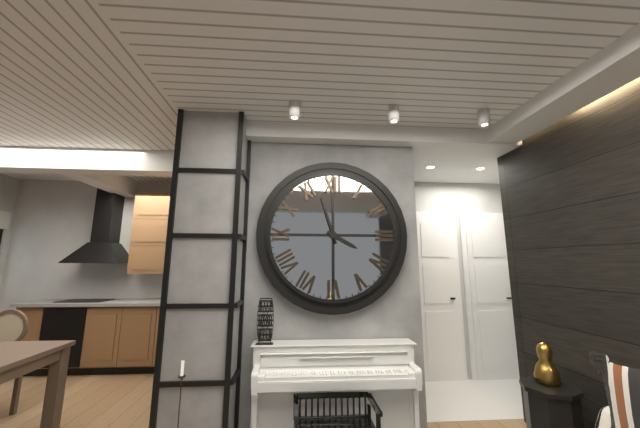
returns 3,57
